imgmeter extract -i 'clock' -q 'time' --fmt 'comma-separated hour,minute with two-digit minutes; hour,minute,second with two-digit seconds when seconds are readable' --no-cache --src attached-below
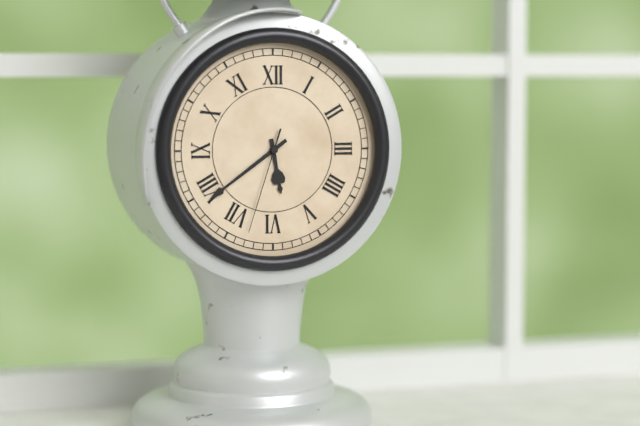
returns 5,39,33
